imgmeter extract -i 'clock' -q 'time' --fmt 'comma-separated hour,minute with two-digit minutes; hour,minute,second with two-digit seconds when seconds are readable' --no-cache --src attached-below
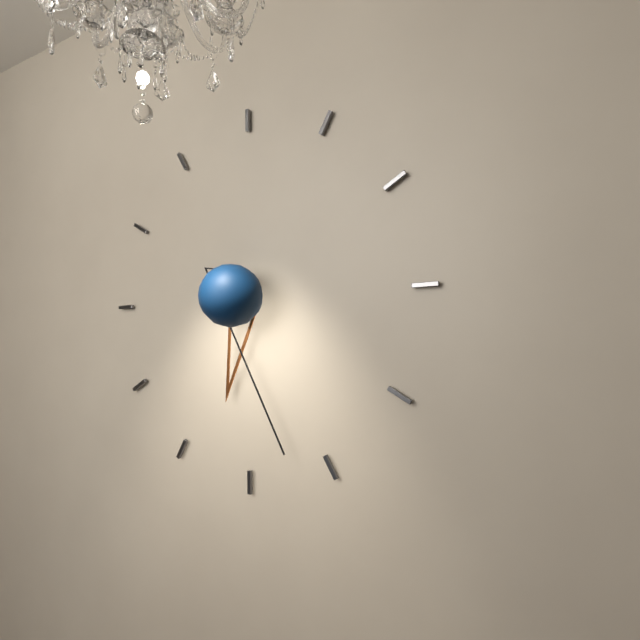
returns 6,27
